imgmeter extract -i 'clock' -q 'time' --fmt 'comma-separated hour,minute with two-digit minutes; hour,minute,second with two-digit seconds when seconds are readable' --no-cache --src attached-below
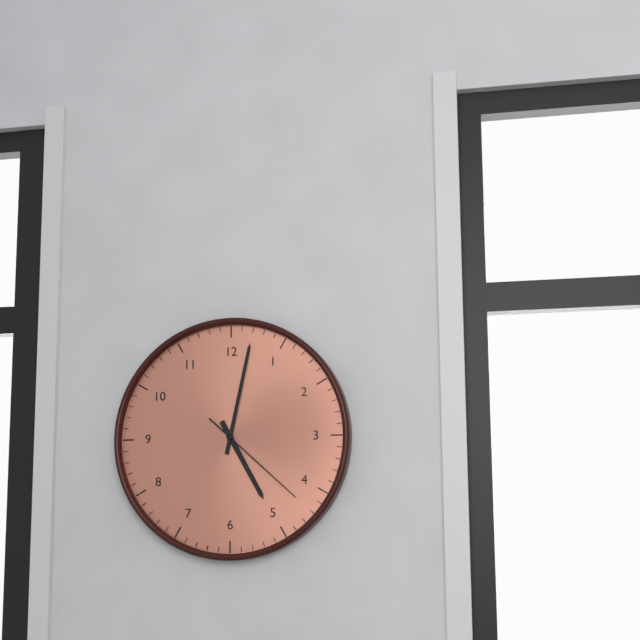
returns 5,02,22
